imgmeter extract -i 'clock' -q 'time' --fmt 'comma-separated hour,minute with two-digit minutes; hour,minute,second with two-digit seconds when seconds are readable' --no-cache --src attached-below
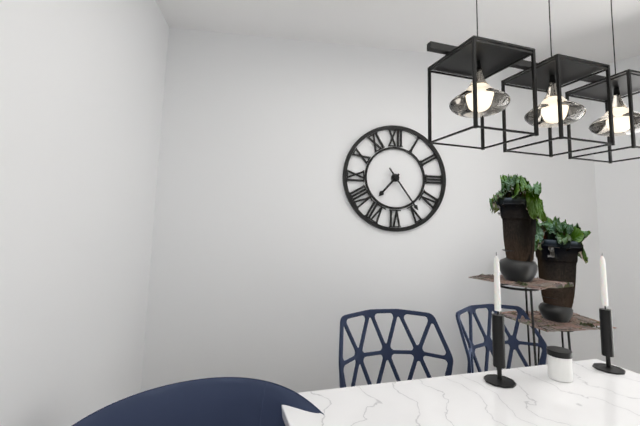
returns 7,24
